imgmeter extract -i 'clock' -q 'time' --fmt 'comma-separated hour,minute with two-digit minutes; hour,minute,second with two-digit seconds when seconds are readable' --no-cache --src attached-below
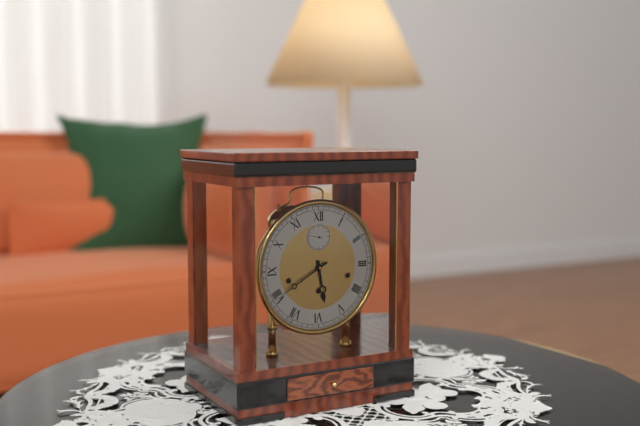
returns 5,40
